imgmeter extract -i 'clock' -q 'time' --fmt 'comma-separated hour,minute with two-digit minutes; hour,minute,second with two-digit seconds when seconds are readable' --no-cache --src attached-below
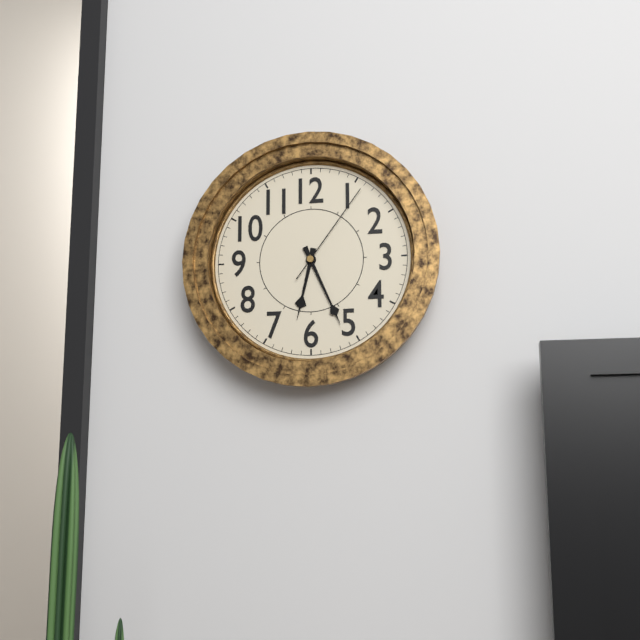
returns 6,26,06
